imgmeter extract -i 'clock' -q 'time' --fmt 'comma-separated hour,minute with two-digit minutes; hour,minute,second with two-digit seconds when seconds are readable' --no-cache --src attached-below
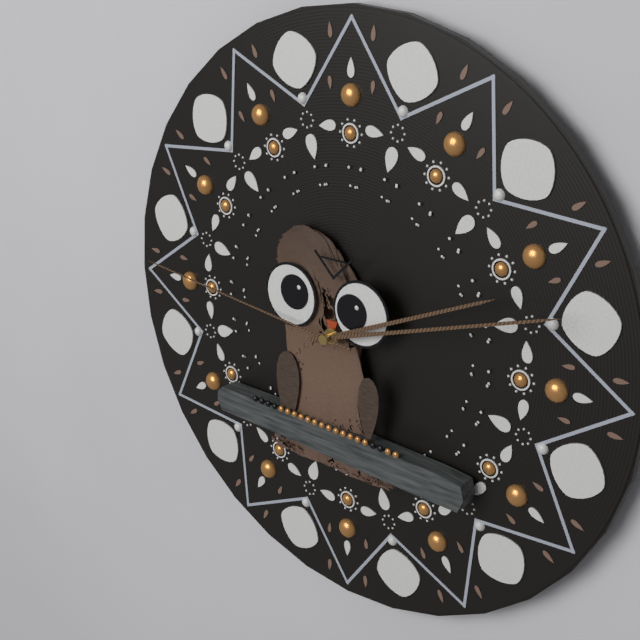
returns 2,12,46
